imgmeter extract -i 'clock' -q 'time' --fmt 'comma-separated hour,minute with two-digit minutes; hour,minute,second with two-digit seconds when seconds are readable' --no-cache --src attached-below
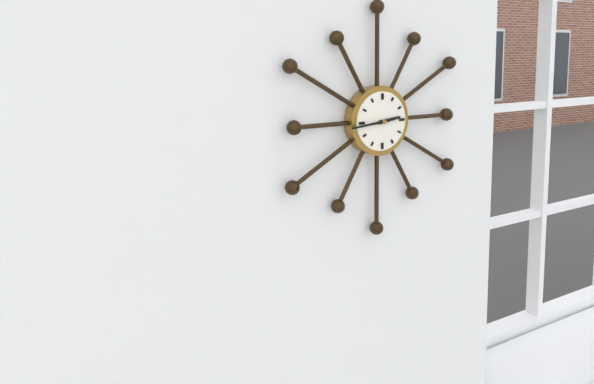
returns 2,44
